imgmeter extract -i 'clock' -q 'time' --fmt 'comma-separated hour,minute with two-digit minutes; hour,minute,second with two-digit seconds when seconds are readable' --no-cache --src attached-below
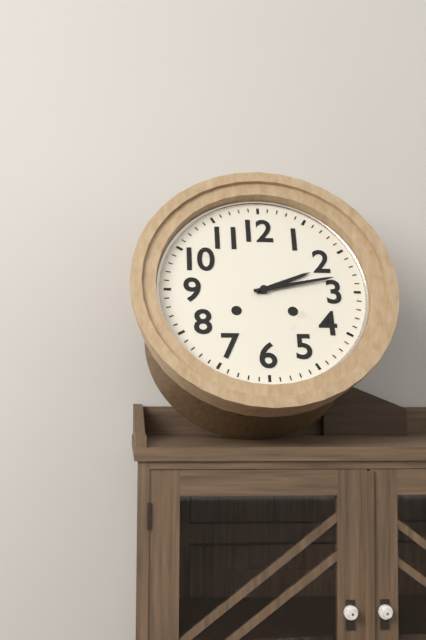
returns 2,13
